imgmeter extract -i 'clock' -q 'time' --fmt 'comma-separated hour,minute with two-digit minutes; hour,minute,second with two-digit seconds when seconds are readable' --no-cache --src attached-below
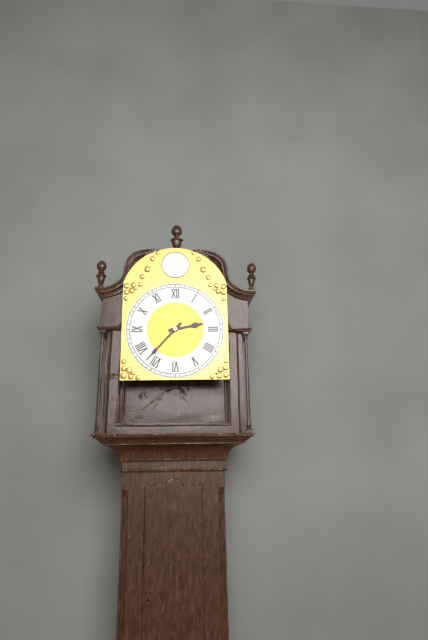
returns 2,37
